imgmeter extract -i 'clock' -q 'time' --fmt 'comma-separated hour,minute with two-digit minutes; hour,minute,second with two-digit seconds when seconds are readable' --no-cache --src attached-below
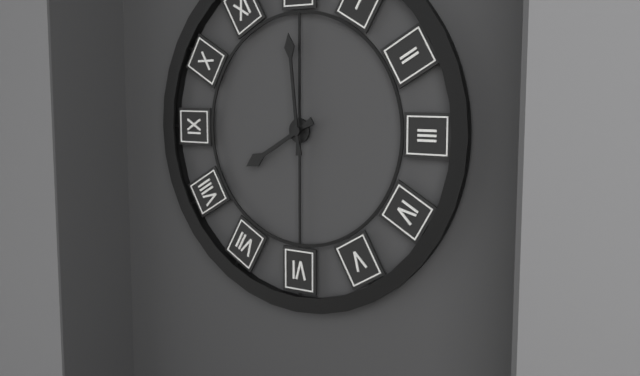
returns 7,59
